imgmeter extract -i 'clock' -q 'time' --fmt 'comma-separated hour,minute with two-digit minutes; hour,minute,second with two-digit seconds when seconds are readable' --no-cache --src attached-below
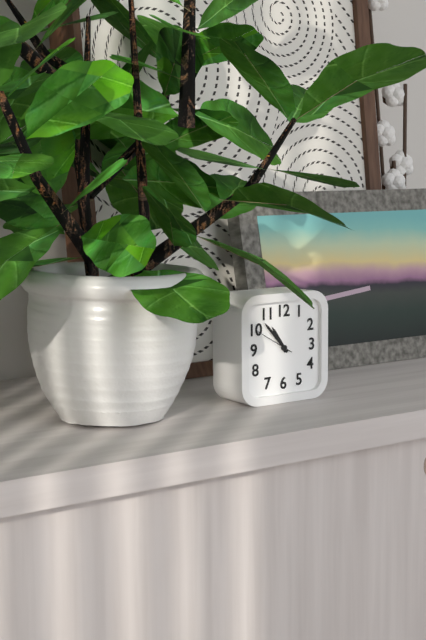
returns 10,53
